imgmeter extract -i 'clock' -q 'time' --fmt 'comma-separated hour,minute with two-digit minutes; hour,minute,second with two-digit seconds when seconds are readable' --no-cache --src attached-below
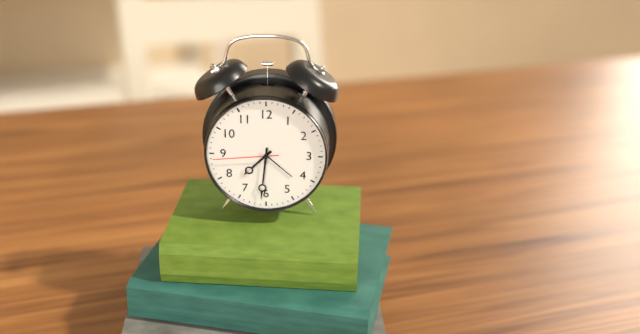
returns 7,31,44
